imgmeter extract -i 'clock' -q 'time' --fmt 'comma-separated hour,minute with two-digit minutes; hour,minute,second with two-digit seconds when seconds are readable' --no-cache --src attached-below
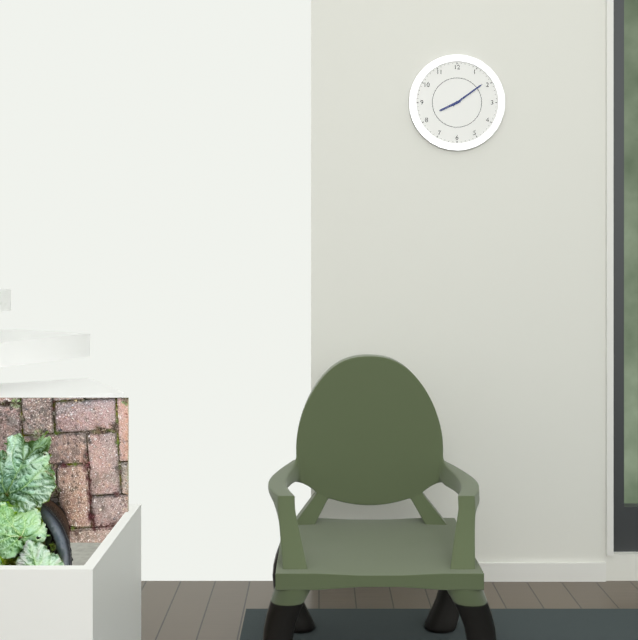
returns 8,09
